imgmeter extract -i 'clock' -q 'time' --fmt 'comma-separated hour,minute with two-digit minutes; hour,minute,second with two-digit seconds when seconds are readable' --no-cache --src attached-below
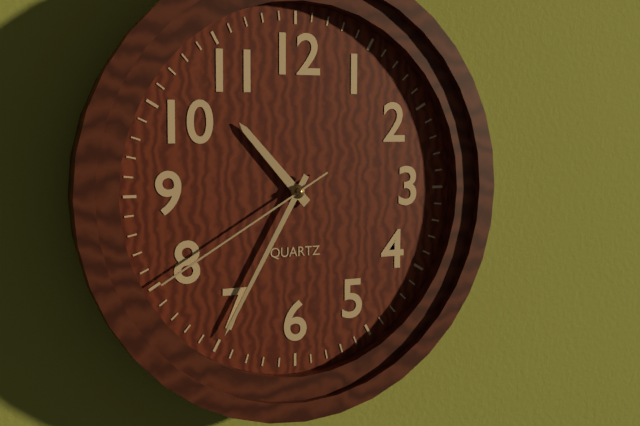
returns 10,35,40
